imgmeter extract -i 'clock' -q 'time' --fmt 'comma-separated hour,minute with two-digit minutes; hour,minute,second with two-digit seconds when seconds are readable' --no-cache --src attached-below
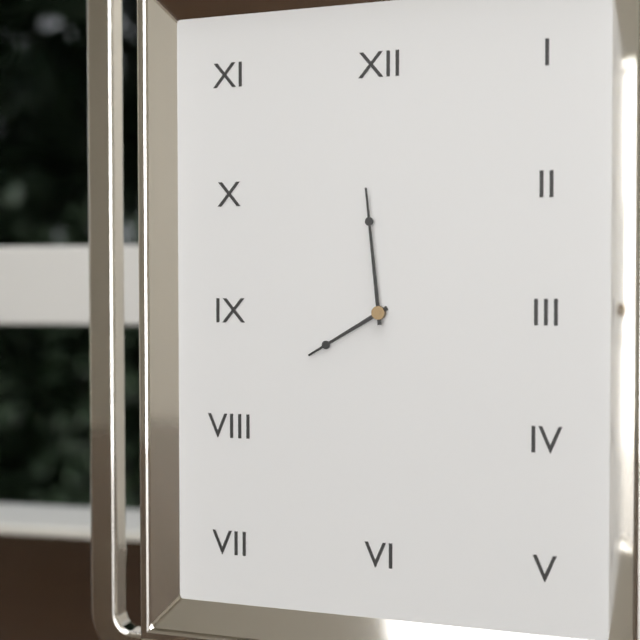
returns 7,59
